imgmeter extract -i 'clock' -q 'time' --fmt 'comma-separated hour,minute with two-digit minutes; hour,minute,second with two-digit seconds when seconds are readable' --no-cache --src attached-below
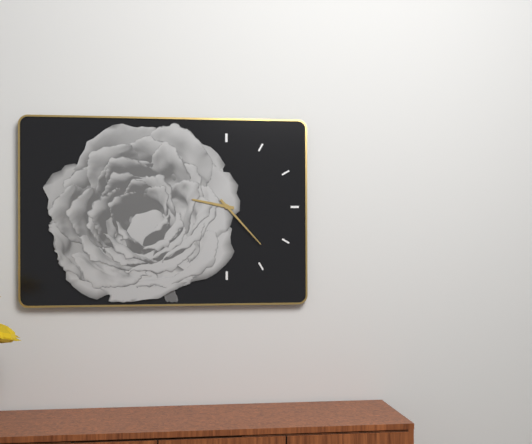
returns 9,23
